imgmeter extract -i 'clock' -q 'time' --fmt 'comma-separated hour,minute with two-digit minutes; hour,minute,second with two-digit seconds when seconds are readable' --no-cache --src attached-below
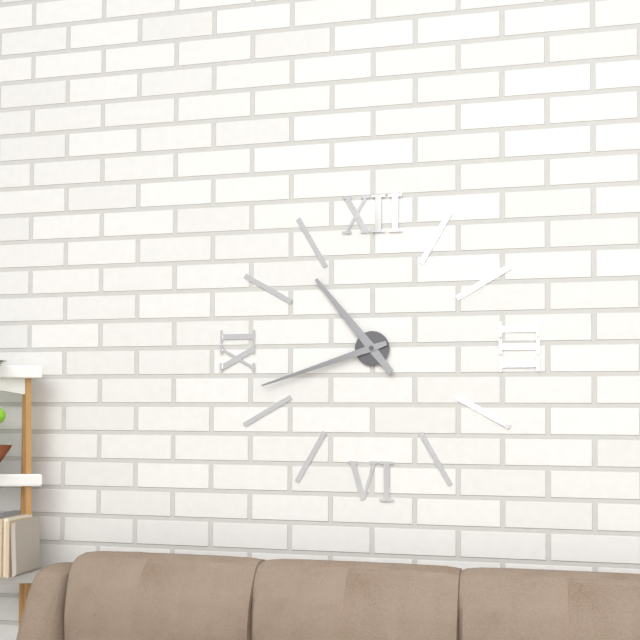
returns 10,42
